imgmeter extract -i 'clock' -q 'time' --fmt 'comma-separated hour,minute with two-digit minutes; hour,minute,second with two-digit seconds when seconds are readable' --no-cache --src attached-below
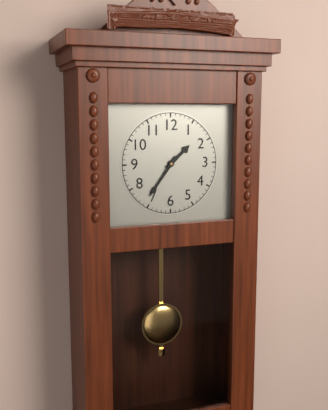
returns 1,36
